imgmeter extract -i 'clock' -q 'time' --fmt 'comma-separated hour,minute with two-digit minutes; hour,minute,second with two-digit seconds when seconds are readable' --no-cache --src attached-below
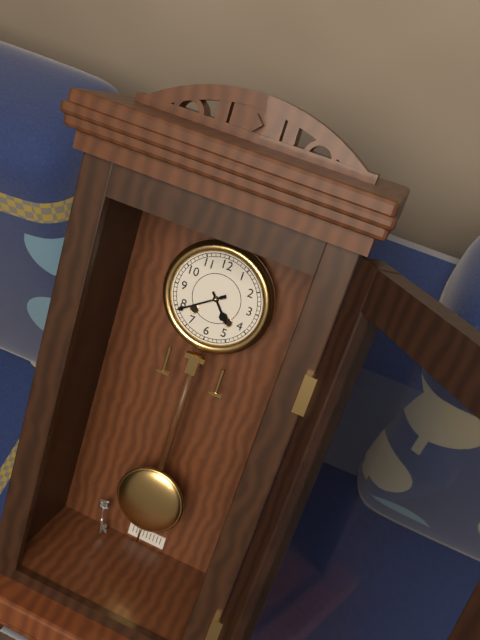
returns 4,39
